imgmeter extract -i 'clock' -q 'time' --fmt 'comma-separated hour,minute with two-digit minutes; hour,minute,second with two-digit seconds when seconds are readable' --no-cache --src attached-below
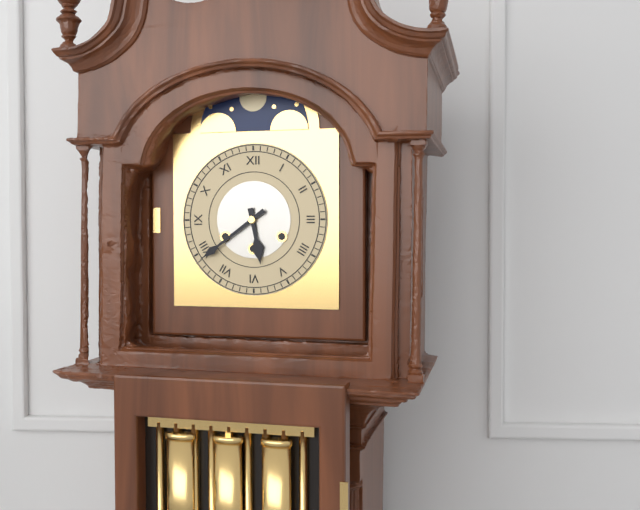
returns 5,39
